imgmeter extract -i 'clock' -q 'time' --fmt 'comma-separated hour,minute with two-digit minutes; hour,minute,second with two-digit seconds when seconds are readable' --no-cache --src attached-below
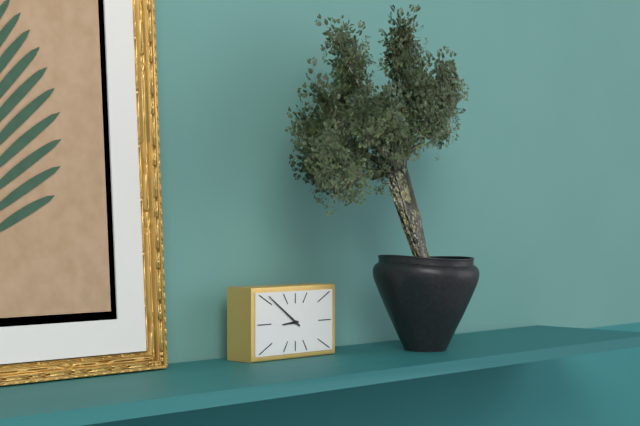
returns 8,51
